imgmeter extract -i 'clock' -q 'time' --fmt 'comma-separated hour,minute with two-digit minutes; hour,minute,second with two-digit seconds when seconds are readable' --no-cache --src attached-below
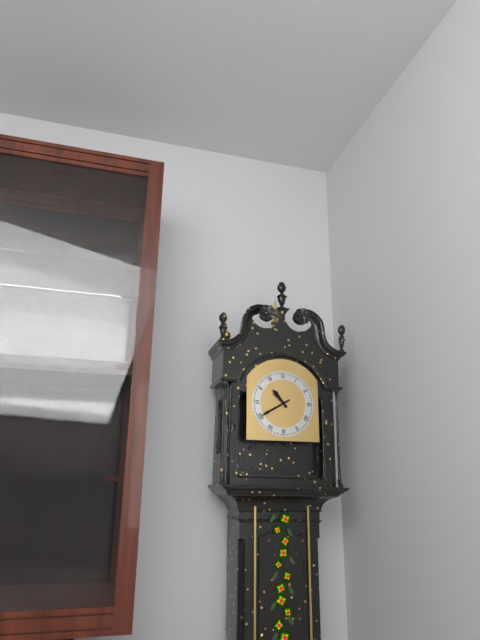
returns 10,40
